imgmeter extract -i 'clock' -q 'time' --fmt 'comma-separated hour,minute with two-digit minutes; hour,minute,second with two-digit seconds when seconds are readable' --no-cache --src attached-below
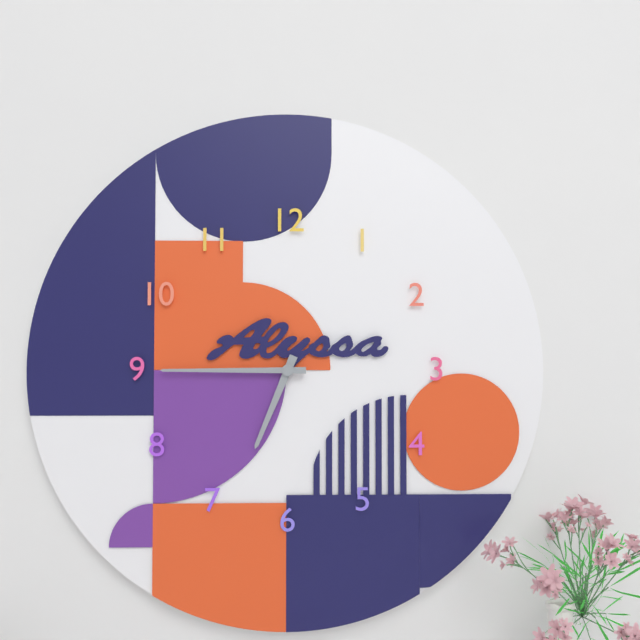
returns 6,45
